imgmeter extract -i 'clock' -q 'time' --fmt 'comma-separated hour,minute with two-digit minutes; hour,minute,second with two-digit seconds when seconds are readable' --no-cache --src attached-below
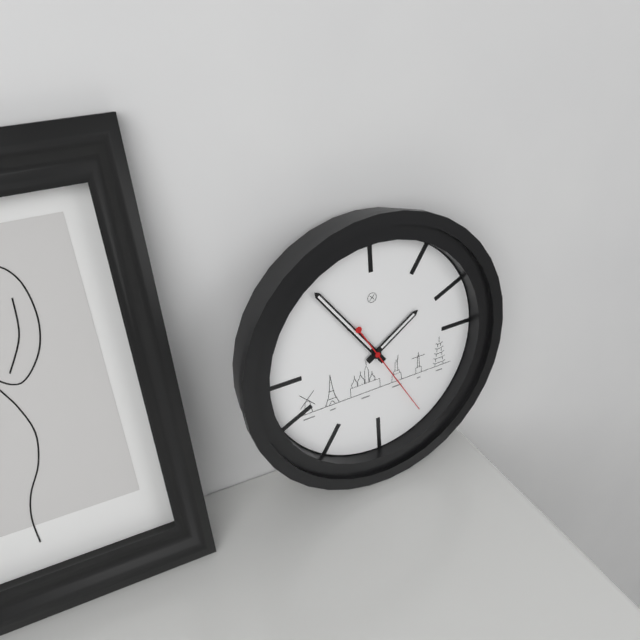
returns 1,54,25
